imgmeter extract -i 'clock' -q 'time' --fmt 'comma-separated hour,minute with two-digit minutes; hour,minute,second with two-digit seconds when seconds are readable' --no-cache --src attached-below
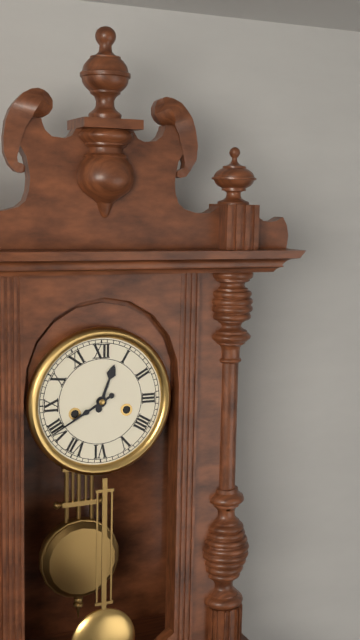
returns 12,40
